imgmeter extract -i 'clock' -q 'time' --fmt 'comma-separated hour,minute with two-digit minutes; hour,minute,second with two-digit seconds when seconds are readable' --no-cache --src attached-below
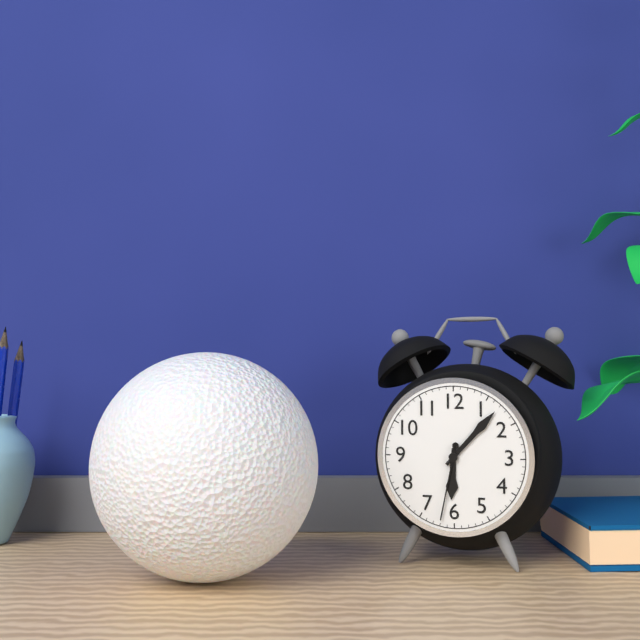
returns 6,07,32
